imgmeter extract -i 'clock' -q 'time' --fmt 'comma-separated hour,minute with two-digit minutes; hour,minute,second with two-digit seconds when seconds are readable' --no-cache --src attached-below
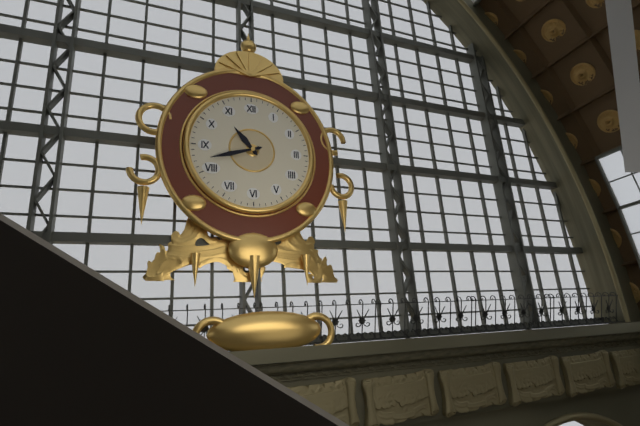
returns 10,42
